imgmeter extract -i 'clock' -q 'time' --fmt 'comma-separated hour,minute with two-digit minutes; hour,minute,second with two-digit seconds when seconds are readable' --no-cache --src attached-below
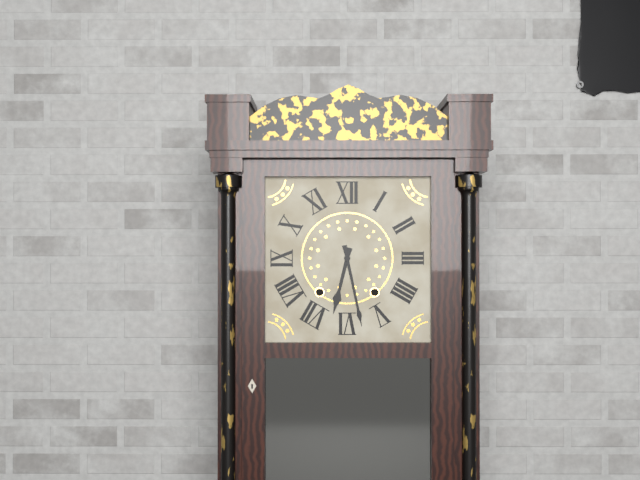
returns 6,28
